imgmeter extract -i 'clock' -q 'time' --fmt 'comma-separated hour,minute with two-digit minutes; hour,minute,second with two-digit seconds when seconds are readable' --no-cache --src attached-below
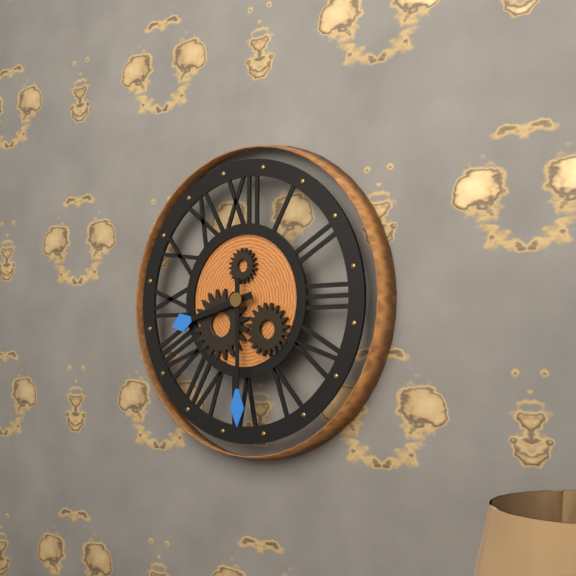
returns 8,30
